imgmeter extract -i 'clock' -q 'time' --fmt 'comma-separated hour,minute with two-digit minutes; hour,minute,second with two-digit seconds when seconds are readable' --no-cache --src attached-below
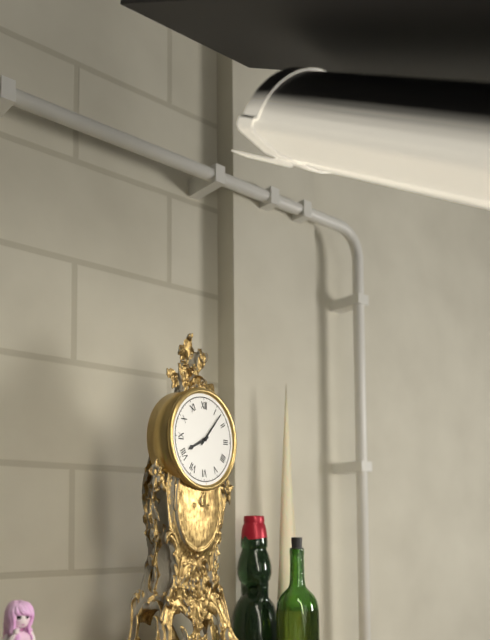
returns 8,07
